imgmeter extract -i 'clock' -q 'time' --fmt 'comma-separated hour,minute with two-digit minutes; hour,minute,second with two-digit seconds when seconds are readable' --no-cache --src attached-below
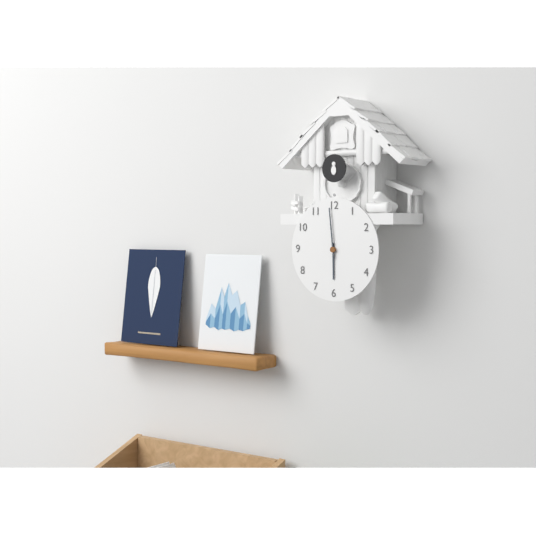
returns 5,59
